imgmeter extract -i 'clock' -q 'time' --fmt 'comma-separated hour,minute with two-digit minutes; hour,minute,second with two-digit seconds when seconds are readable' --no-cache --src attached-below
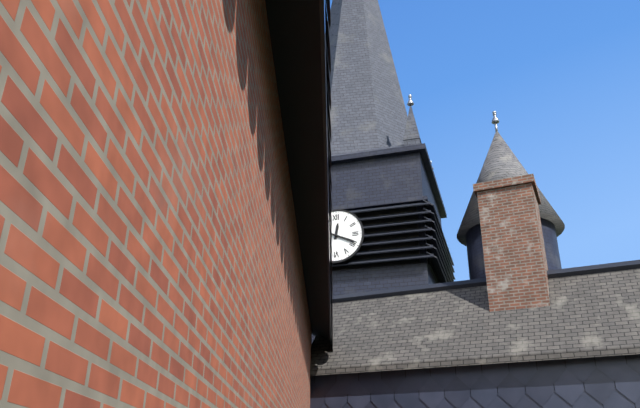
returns 12,19
